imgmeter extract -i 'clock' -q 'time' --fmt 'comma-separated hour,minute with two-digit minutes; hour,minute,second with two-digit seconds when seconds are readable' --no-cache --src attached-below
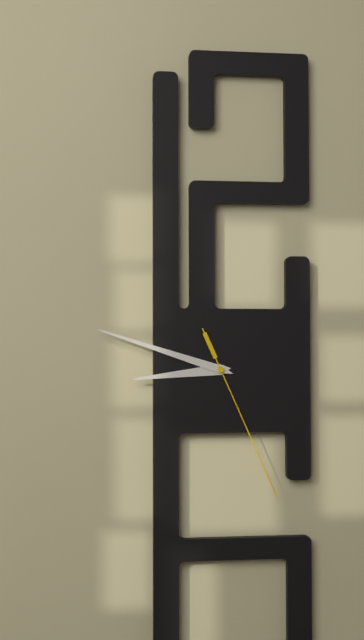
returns 8,48,26
